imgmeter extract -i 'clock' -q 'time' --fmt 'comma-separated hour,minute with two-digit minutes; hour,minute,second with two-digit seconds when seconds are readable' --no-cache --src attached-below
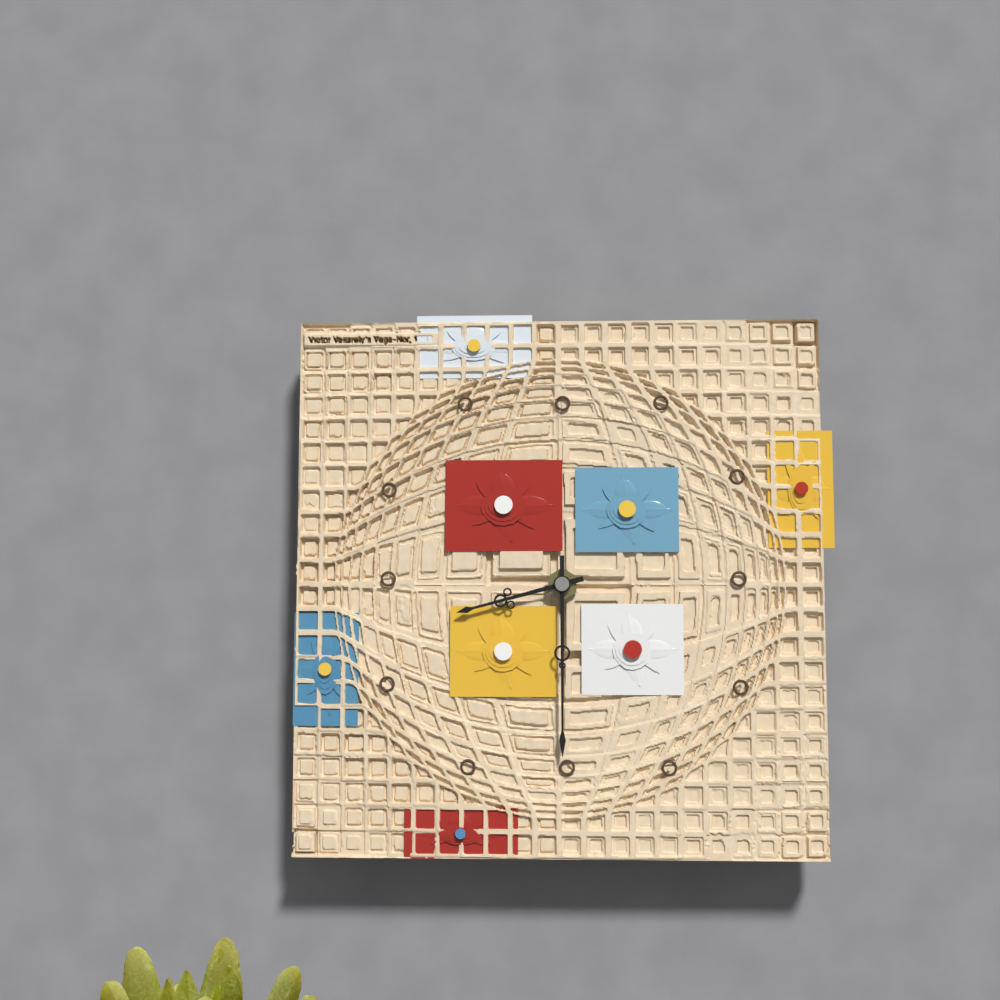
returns 8,30
